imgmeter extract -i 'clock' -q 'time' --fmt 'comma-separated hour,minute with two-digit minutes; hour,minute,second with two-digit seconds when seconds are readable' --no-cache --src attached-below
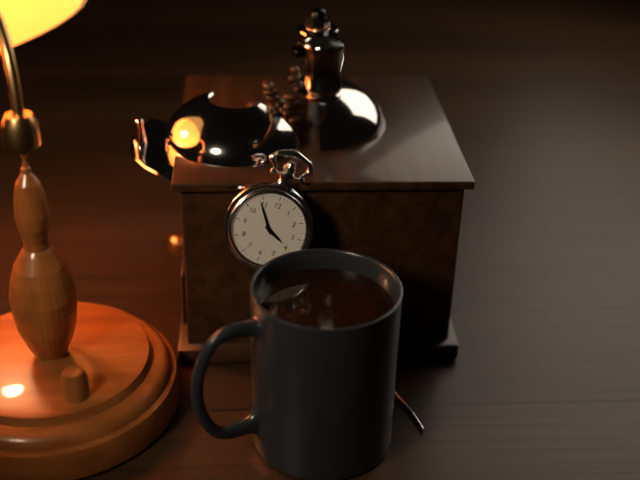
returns 3,54
